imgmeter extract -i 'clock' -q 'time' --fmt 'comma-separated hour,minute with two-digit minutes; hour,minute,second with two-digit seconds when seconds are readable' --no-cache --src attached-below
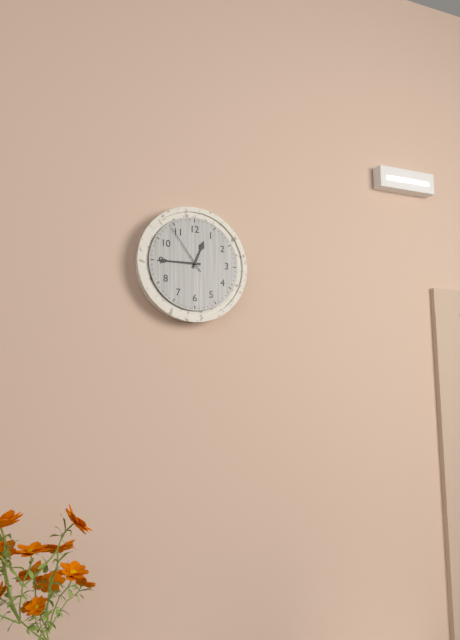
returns 12,45,54
